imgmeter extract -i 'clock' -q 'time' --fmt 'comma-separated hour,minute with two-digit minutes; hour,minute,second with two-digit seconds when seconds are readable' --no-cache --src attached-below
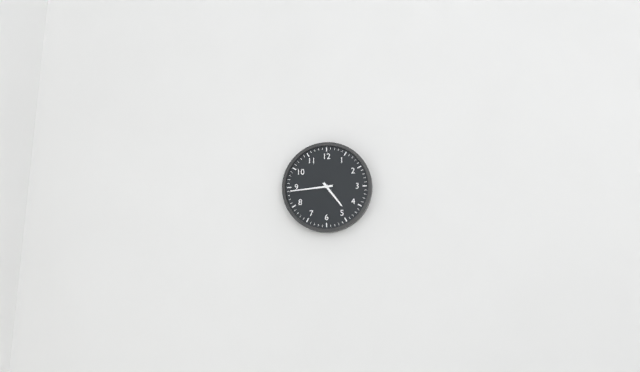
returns 4,44
